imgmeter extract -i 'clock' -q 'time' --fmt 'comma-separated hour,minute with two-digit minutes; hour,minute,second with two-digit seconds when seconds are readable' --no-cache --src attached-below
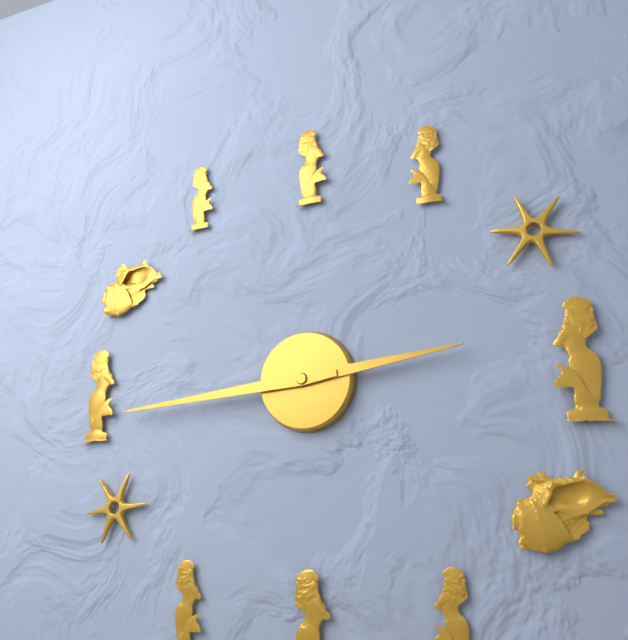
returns 2,44
